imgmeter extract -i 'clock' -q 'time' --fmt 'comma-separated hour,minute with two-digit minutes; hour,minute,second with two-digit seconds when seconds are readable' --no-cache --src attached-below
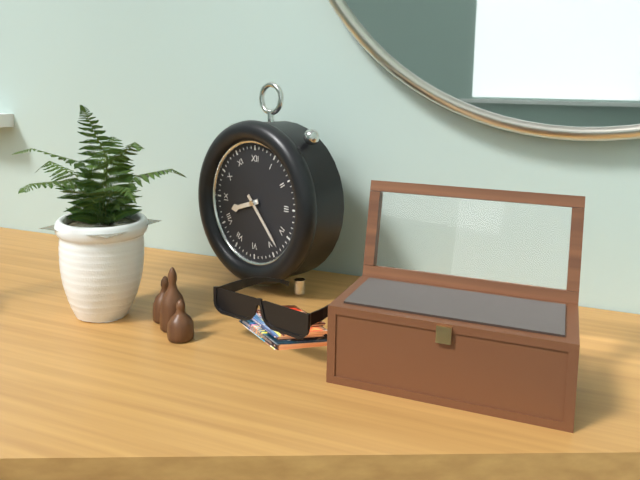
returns 8,23
